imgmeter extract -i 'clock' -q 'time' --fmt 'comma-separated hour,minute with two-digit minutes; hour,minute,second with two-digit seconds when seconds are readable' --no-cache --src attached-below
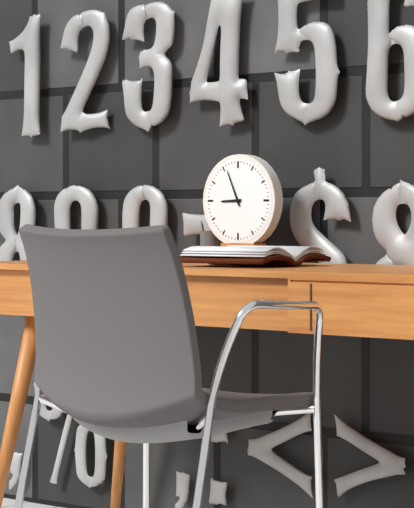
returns 8,56
